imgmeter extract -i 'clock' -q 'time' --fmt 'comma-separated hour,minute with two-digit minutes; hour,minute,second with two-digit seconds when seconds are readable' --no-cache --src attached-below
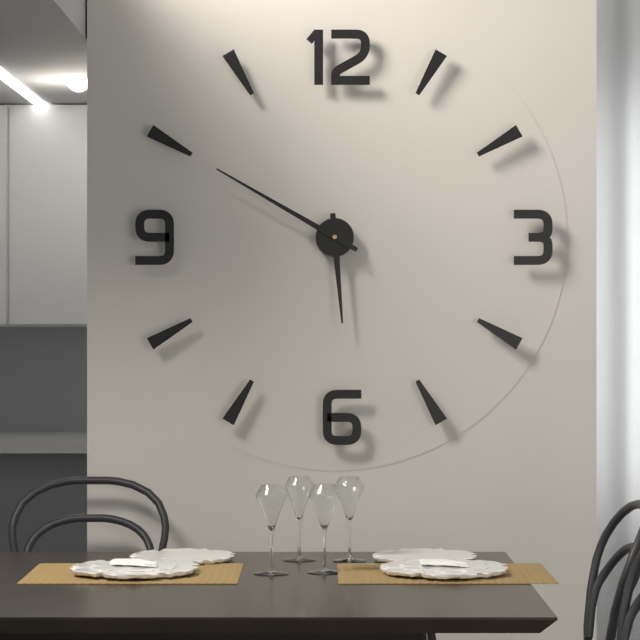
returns 5,50
